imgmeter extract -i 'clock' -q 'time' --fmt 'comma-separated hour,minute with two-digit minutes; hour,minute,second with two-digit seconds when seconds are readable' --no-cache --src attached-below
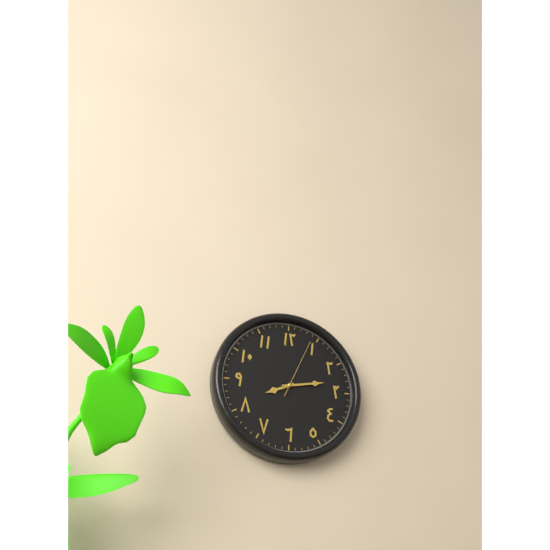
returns 8,13,04
